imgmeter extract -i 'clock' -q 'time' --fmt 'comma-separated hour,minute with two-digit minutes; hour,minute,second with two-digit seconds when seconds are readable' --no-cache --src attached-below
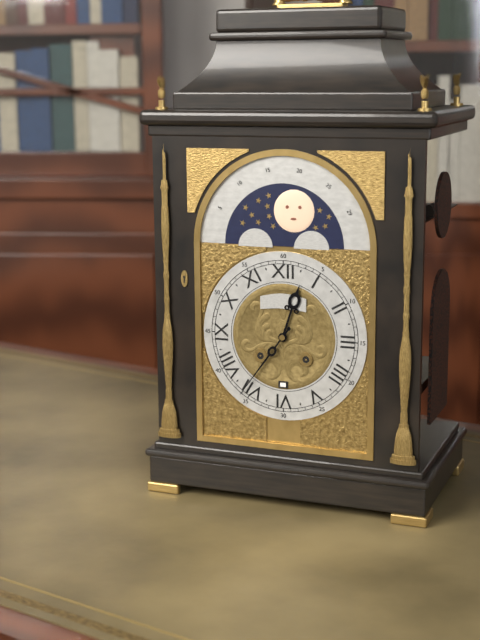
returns 12,36
